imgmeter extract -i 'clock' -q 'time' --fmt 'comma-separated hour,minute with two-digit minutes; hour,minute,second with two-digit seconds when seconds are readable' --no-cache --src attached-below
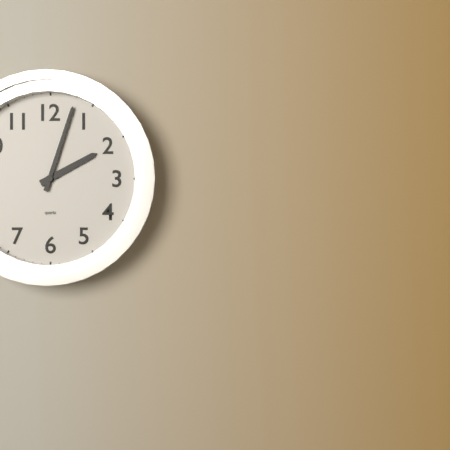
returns 2,03
